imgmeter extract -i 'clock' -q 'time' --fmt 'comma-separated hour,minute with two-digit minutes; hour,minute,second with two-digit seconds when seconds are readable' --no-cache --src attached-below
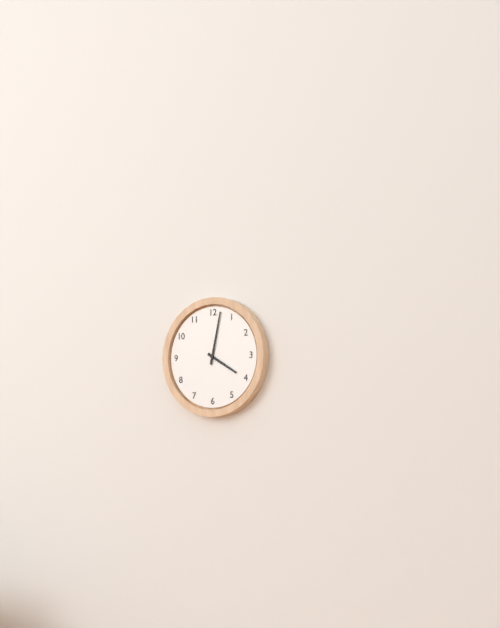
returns 4,02
